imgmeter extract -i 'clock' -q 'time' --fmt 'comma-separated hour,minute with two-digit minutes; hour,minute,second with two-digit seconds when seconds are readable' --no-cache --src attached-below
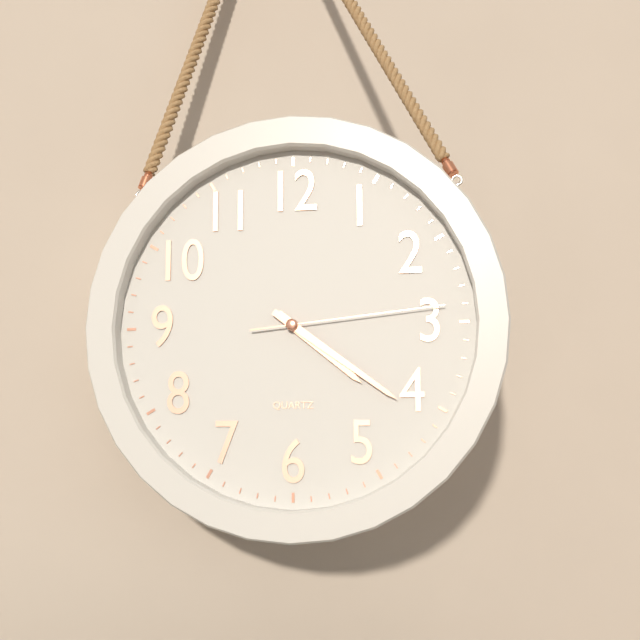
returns 4,21,14
